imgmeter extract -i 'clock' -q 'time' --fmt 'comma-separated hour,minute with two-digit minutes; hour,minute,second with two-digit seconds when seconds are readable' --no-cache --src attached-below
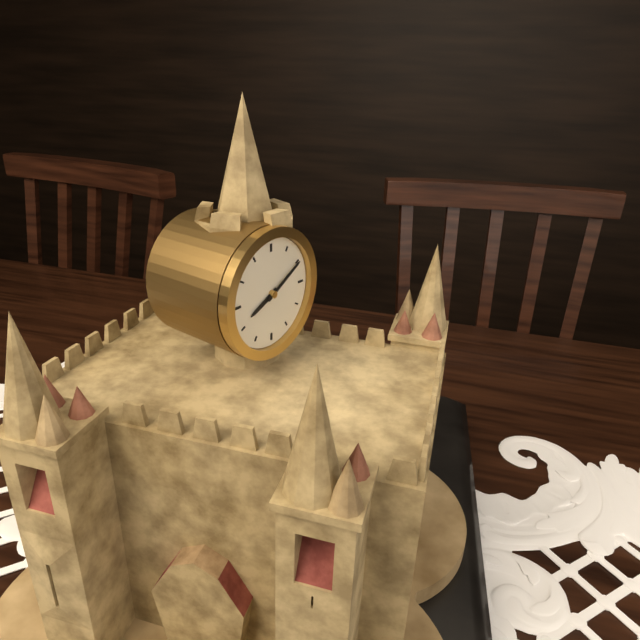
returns 8,10
